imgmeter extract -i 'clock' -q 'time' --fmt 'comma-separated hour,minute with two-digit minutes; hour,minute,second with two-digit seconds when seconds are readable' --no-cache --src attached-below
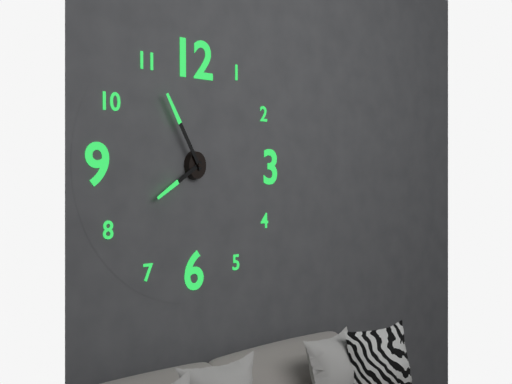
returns 7,55
